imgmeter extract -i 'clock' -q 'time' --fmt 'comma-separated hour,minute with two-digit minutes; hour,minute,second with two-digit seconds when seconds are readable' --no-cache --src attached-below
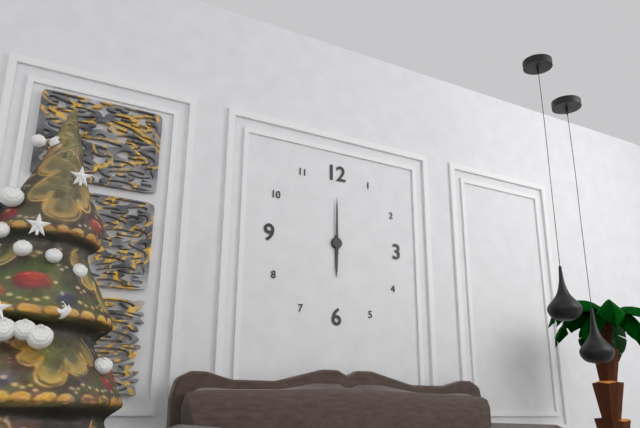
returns 6,00
